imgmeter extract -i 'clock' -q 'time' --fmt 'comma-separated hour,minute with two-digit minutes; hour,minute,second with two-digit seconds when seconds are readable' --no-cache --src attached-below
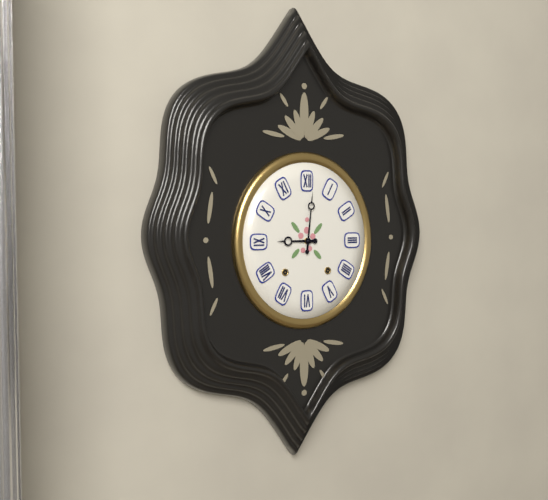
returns 9,01
